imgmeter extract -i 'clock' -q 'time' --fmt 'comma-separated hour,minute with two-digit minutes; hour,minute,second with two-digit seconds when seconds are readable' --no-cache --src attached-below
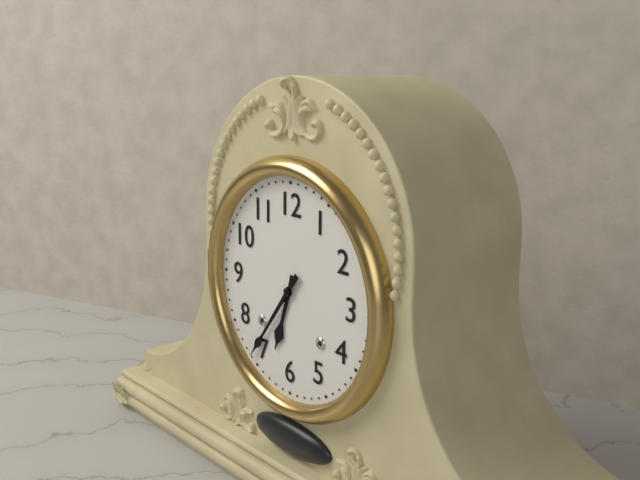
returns 6,36
